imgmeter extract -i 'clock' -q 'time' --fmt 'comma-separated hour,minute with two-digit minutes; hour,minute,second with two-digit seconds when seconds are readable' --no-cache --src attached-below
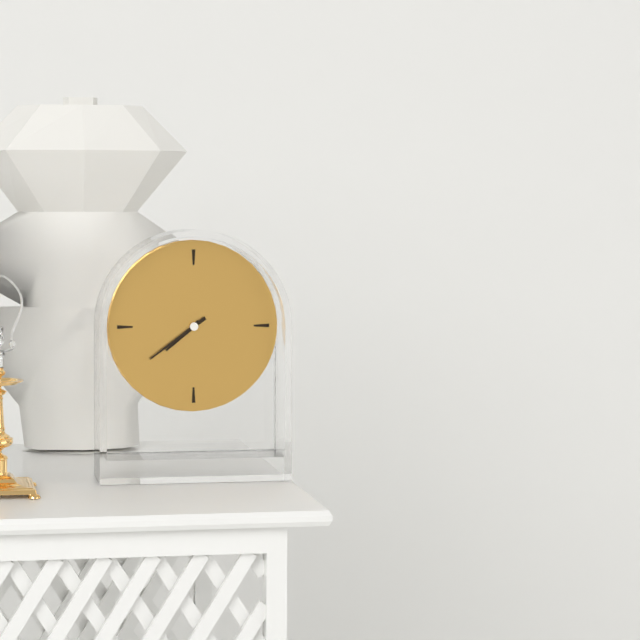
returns 7,39
